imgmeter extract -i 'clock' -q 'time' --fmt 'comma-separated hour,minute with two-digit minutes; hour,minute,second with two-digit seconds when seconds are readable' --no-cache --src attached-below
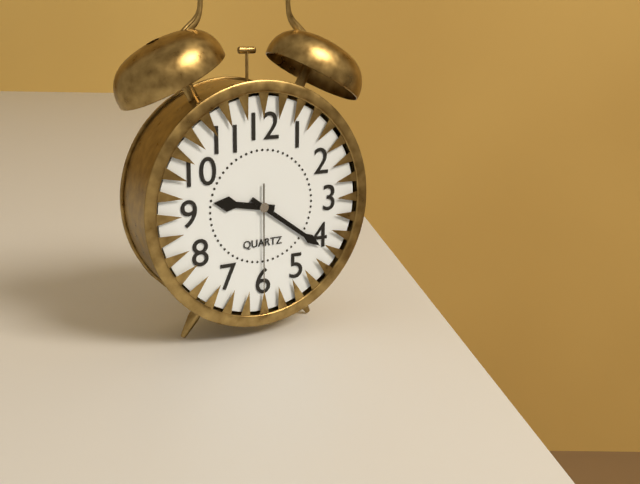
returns 9,21,30
